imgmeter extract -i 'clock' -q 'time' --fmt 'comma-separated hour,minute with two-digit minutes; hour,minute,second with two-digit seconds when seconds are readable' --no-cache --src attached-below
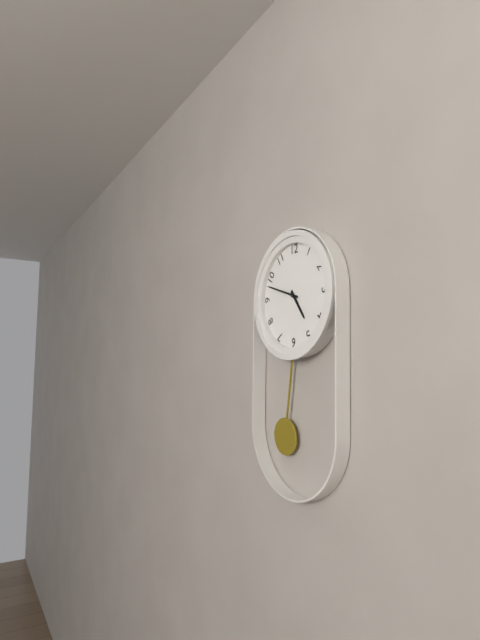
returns 4,48
